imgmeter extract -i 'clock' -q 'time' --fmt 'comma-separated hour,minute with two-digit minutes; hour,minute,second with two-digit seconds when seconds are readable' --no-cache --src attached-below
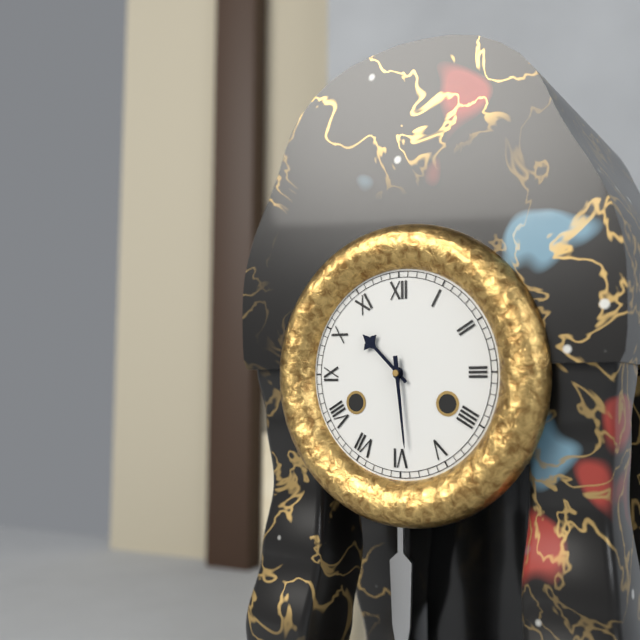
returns 10,29
